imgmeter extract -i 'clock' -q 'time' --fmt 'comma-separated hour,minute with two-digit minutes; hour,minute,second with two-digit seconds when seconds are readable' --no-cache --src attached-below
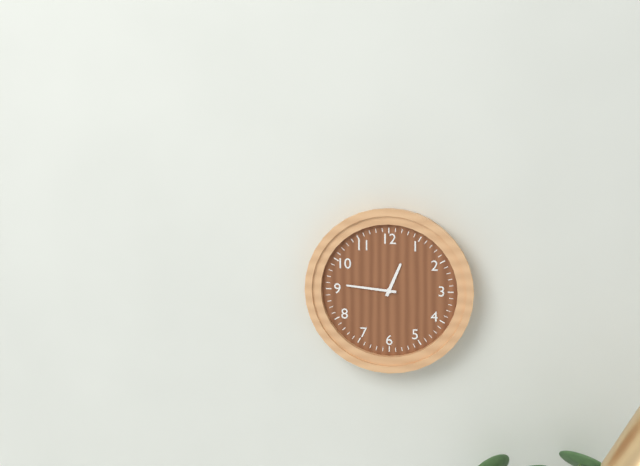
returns 12,46
